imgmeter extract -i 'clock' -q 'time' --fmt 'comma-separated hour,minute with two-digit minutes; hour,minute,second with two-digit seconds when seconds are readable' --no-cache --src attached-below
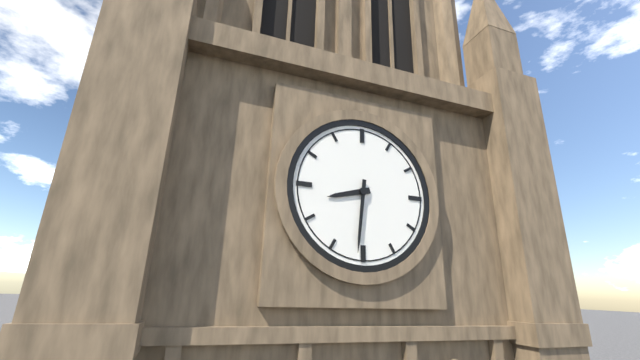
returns 8,31
